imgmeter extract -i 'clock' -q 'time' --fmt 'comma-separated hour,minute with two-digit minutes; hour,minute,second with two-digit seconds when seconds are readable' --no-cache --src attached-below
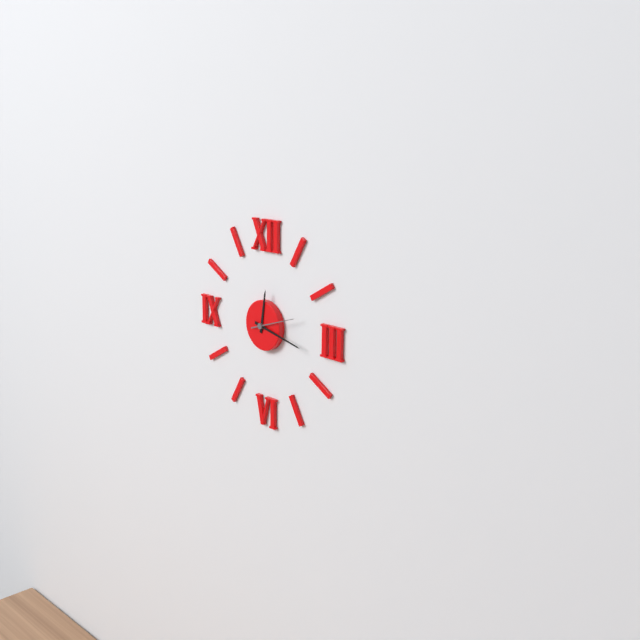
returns 12,17
